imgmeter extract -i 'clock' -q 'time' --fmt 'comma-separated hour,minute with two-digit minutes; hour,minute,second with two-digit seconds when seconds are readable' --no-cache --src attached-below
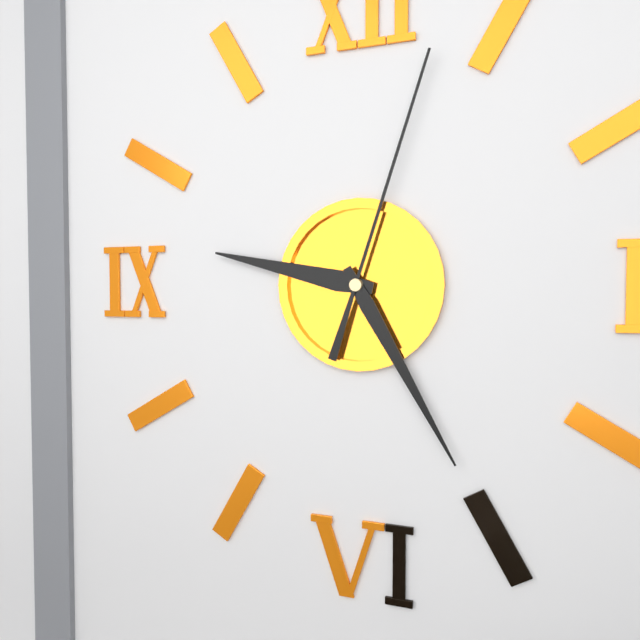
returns 9,25,03
